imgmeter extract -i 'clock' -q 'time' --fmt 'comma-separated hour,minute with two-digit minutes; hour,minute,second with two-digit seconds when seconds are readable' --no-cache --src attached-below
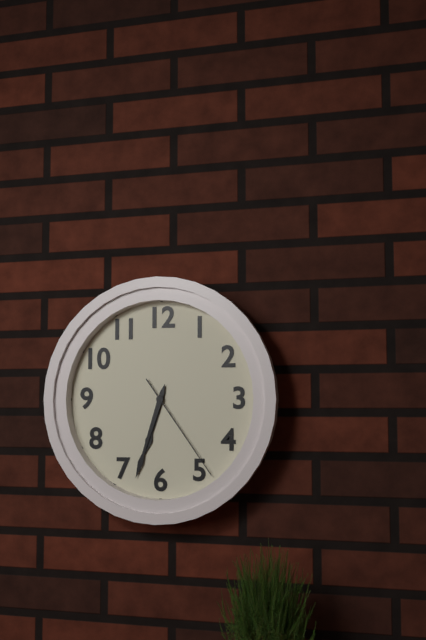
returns 6,33,24
